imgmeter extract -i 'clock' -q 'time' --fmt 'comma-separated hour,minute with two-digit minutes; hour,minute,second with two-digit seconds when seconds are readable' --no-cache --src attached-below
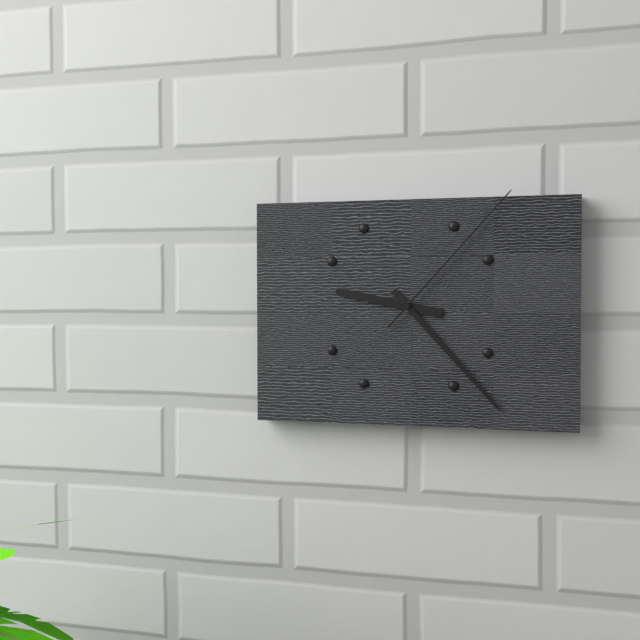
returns 9,23,07
